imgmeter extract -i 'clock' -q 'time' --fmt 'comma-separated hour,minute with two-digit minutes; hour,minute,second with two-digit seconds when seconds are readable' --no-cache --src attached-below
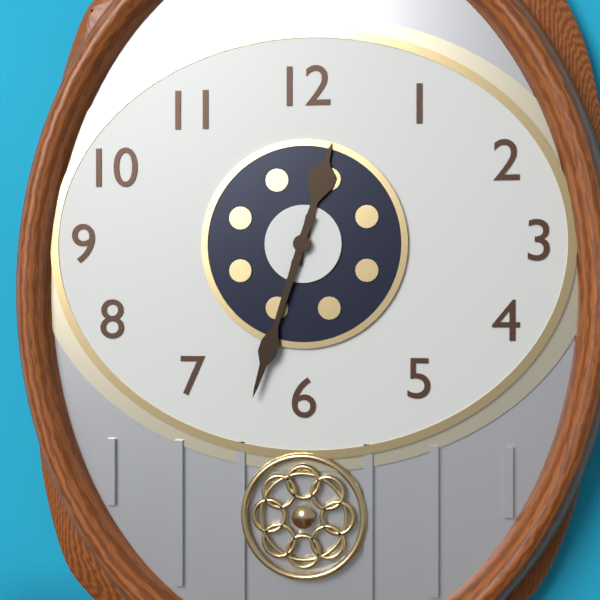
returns 12,33
